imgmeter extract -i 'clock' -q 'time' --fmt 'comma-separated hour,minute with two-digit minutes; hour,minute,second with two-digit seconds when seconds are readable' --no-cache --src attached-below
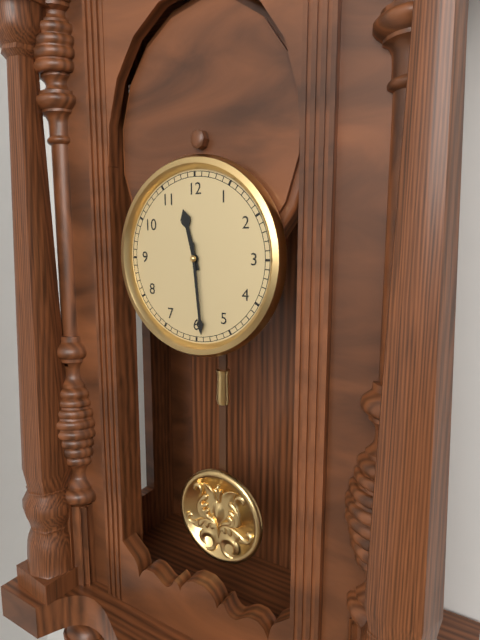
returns 11,29
